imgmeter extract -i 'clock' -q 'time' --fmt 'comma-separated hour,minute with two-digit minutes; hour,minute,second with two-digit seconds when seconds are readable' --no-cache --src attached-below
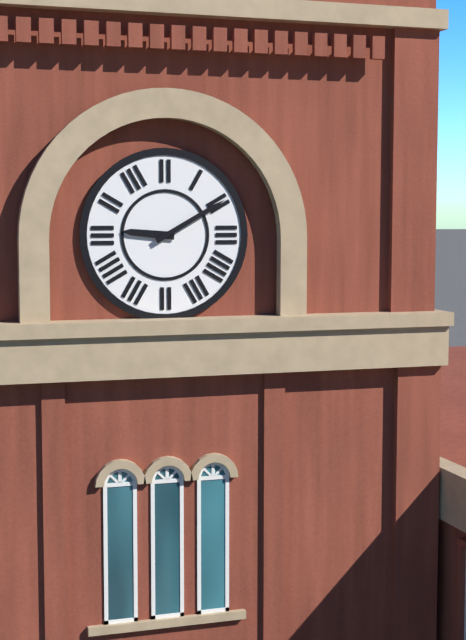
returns 9,10
